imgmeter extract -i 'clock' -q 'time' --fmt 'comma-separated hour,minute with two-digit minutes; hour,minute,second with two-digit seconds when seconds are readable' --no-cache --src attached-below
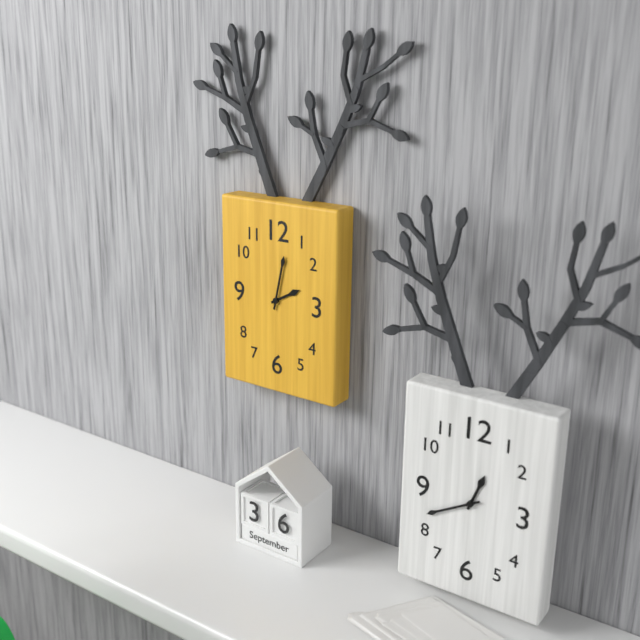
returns 2,02
